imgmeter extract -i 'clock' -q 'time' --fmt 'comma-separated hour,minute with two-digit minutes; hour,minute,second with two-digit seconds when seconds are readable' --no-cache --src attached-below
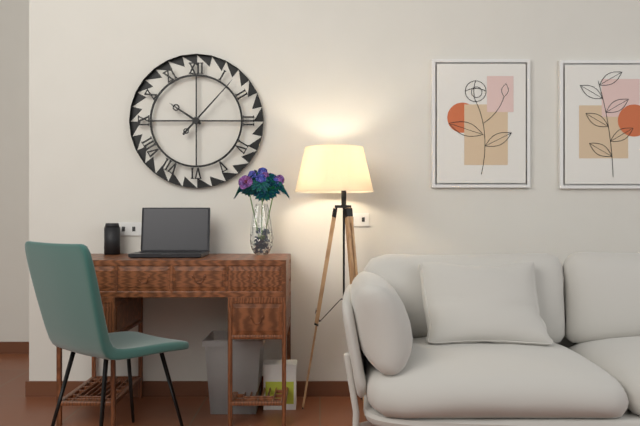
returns 10,07
